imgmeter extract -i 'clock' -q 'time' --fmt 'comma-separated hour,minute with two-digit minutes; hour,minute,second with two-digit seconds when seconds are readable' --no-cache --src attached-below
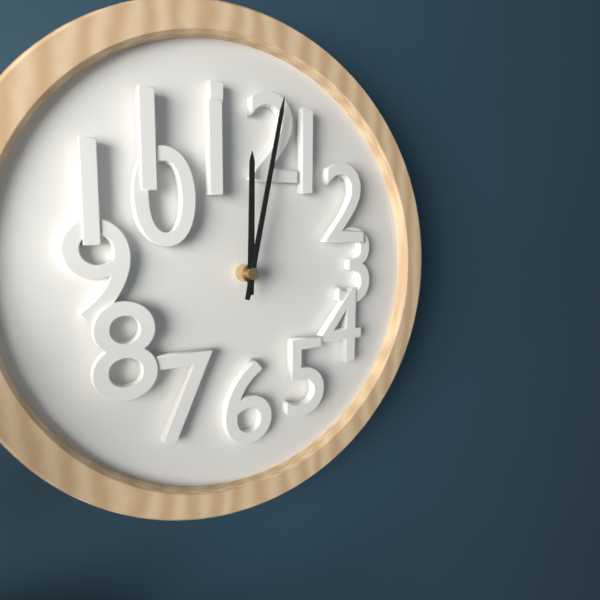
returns 12,02
